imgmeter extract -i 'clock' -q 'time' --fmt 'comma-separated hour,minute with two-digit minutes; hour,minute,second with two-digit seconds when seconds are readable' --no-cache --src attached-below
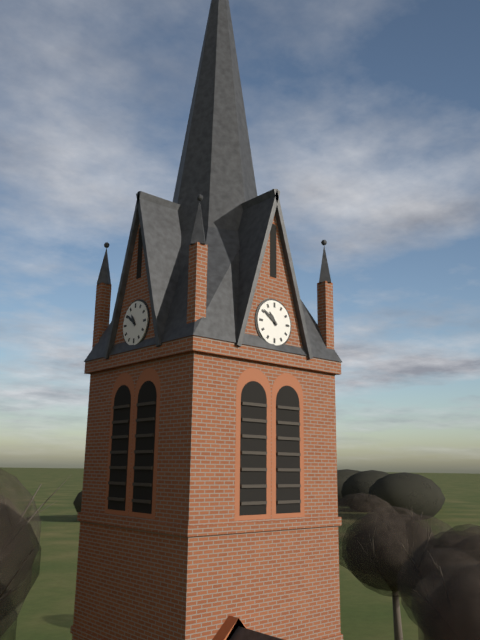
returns 10,51
